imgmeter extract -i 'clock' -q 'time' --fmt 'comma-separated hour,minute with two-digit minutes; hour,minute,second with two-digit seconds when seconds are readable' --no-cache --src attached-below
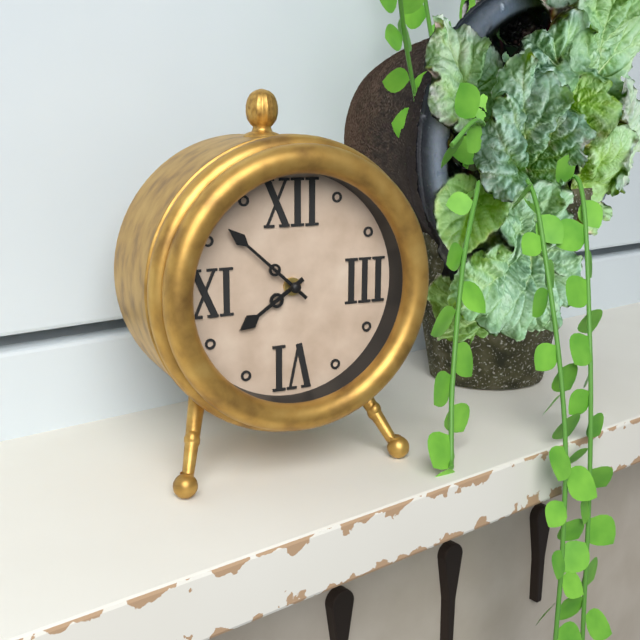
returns 7,52
